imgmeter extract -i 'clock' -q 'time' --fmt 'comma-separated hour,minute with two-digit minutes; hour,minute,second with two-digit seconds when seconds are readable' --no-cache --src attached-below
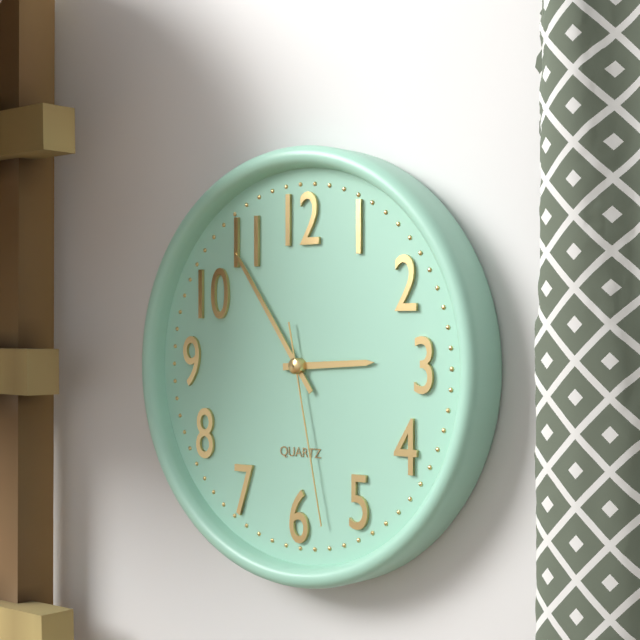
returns 2,54,28
